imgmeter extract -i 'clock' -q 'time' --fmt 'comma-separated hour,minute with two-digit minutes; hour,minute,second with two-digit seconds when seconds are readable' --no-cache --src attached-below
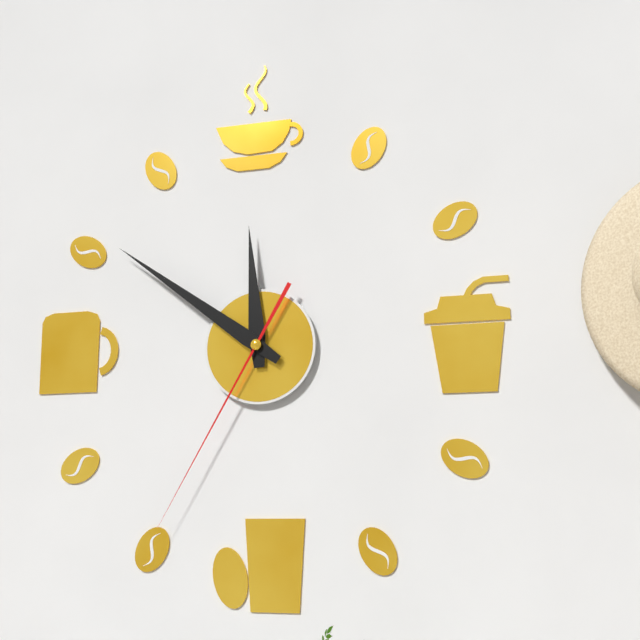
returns 11,51,35
